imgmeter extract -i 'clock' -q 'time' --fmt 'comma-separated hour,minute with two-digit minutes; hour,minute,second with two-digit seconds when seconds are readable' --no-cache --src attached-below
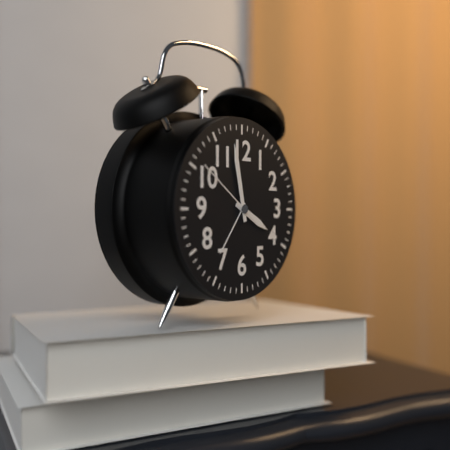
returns 3,58,51
